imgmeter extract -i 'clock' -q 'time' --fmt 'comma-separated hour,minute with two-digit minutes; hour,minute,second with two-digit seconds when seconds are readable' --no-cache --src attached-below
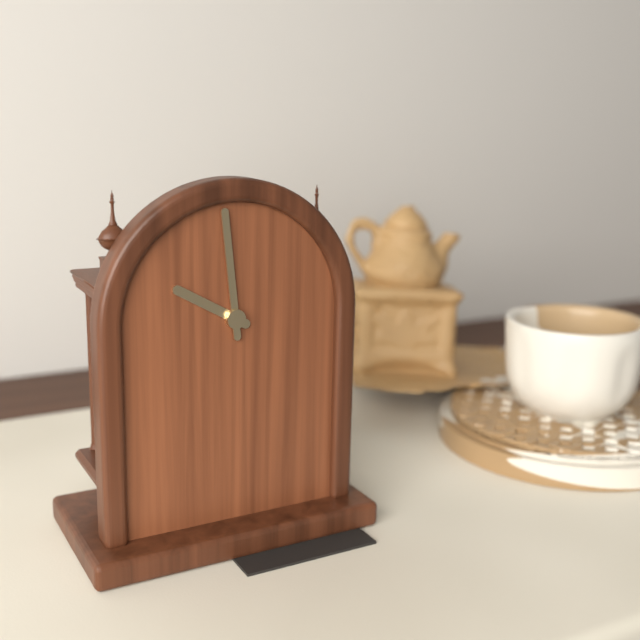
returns 9,59
